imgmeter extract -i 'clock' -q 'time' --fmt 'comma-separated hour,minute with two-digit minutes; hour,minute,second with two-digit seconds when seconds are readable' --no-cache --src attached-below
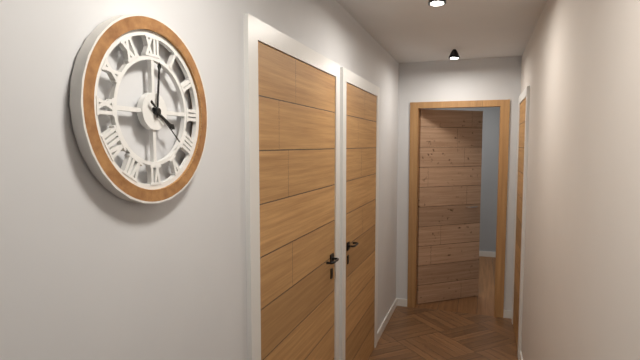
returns 4,01,22
